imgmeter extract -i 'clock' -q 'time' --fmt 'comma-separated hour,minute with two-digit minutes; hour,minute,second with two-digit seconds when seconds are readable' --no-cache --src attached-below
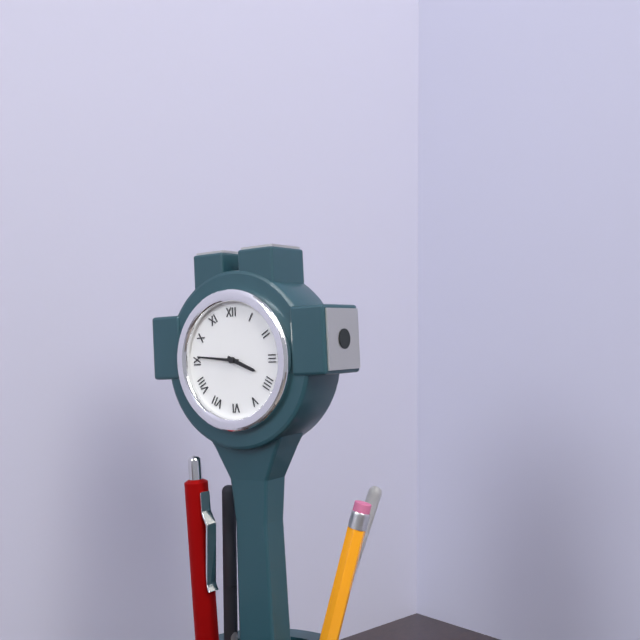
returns 3,46
